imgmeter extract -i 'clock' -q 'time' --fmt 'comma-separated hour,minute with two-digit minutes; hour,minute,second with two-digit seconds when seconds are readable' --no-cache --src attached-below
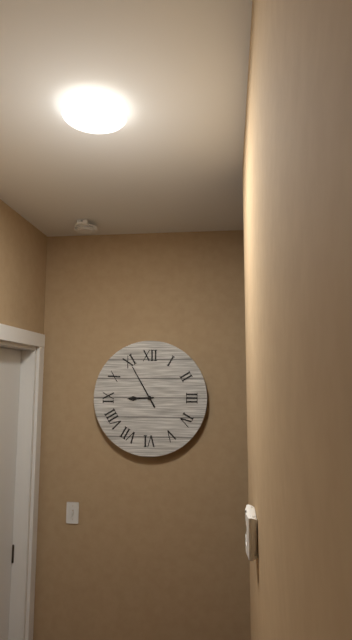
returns 8,55
